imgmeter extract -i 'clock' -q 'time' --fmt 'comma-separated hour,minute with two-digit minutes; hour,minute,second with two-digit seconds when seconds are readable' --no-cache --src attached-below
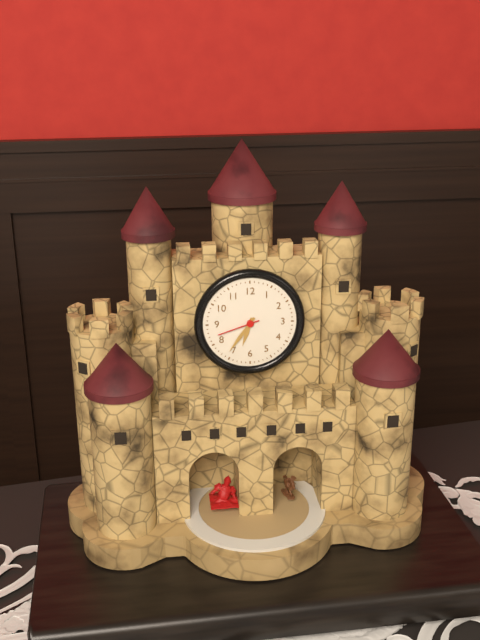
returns 6,36
